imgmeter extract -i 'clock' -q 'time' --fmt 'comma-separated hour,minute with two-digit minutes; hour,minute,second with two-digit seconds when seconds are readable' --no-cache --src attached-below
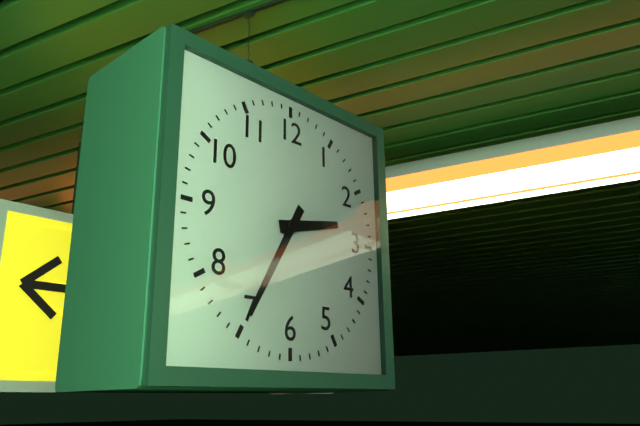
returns 2,35
